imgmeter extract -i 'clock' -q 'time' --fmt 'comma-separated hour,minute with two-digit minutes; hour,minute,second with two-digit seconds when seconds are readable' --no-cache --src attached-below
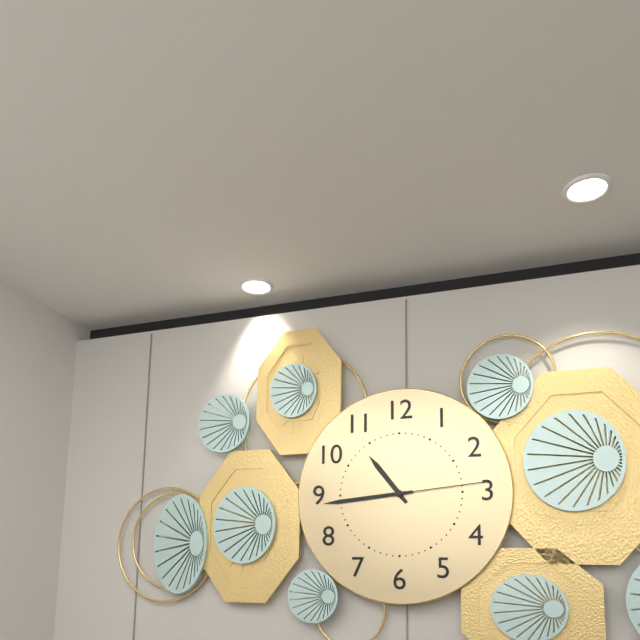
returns 10,44,14
